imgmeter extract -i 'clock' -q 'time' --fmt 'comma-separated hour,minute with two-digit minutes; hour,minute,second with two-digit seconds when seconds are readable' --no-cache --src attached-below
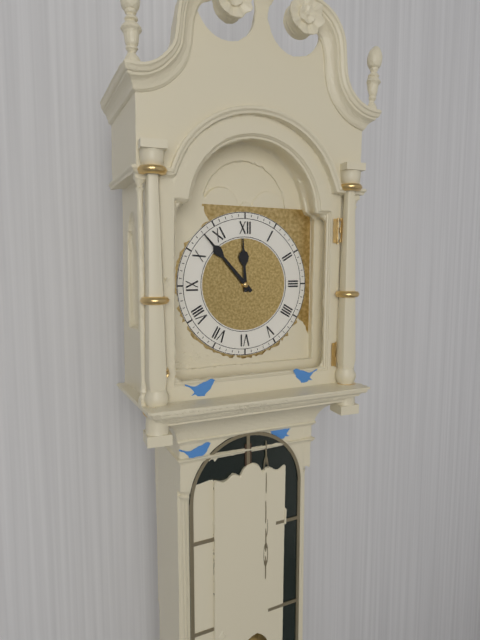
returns 11,53
